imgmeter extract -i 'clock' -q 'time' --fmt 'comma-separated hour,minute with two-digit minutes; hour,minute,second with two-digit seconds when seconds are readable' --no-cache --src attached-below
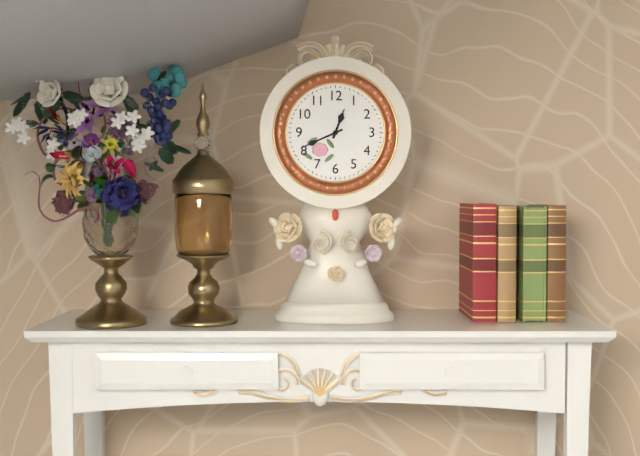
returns 12,41
